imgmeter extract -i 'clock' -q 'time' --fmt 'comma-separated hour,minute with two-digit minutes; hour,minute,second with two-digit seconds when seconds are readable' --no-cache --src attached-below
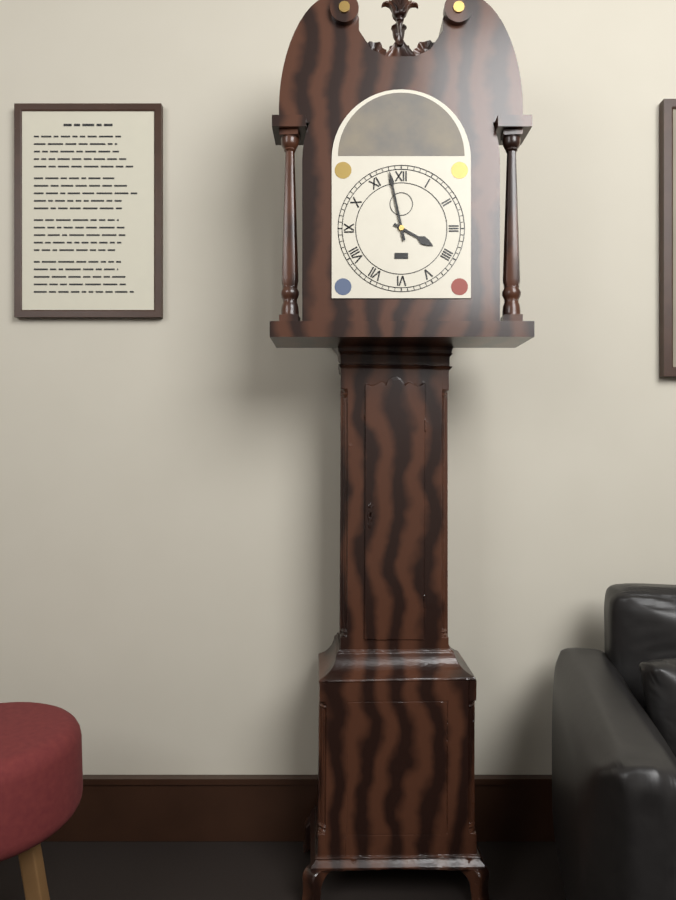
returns 3,58
